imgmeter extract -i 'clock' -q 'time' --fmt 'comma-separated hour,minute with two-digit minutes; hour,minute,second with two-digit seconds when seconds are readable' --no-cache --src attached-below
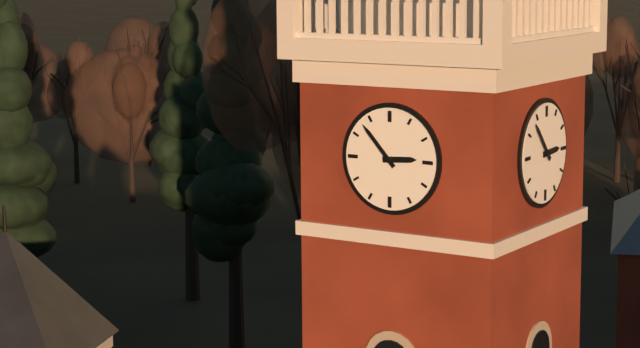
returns 2,53
